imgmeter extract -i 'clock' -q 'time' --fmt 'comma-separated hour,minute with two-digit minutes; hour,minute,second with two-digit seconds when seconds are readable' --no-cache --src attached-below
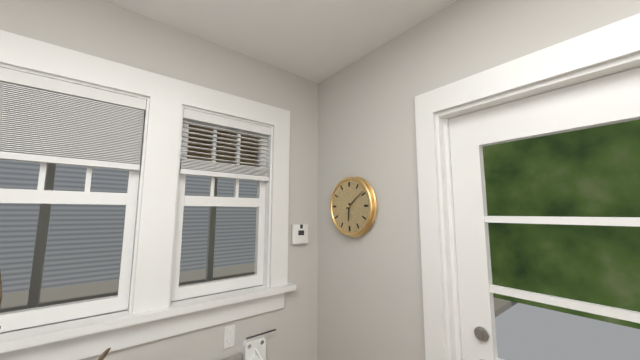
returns 6,09
